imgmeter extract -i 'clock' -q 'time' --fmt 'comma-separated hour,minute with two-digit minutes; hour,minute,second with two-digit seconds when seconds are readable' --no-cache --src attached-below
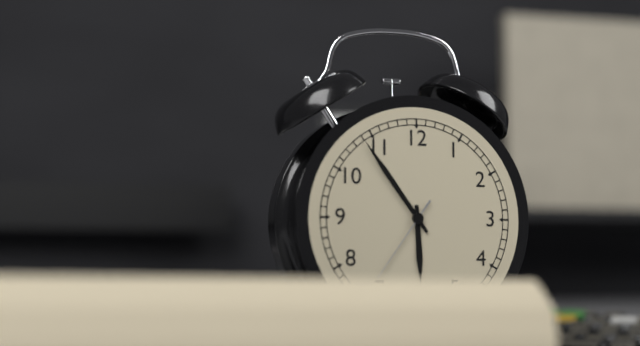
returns 5,54,36
